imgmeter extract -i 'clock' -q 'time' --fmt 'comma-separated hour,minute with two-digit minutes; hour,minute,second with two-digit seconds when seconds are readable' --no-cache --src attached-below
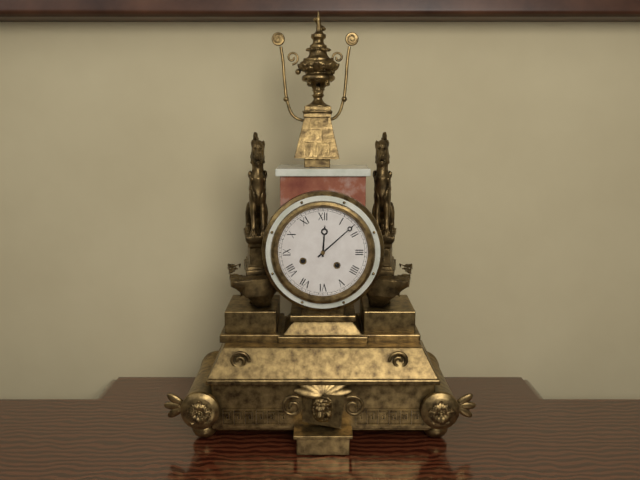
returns 12,08
